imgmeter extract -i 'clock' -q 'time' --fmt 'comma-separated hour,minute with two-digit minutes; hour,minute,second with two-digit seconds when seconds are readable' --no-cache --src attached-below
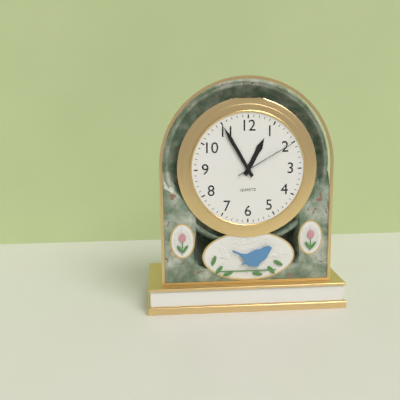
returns 12,55,10
